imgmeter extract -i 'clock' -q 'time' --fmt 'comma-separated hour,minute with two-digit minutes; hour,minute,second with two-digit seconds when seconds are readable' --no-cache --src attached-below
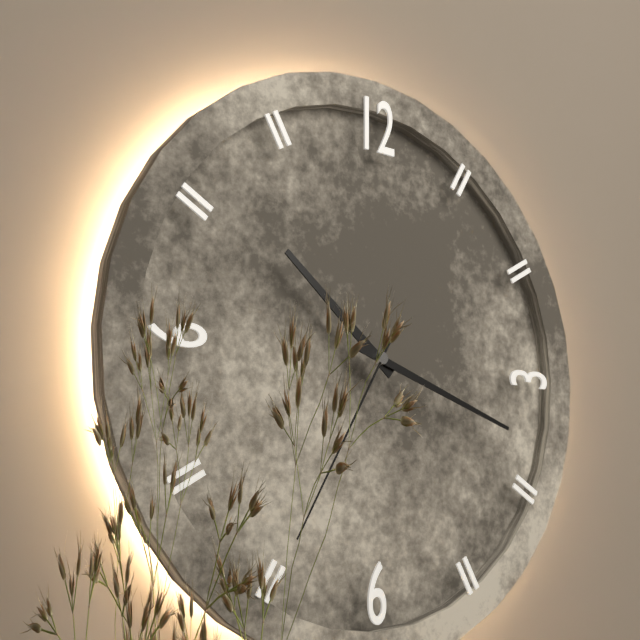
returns 10,18,35
